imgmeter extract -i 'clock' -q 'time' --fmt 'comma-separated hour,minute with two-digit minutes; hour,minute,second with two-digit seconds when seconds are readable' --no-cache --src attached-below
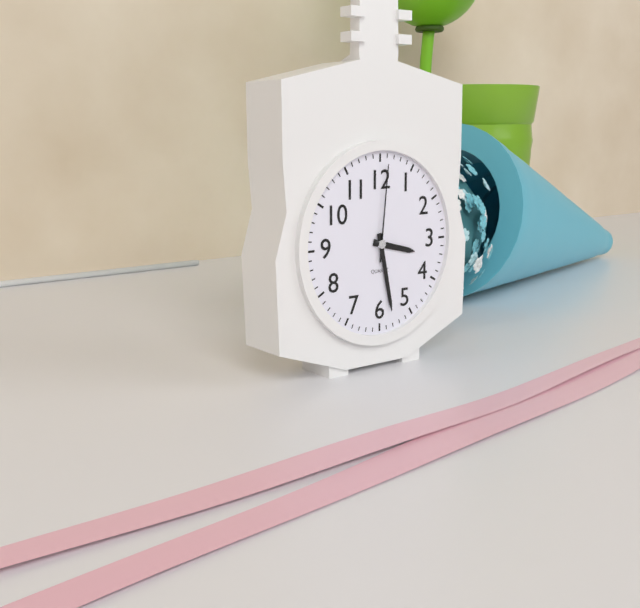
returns 3,28,01
